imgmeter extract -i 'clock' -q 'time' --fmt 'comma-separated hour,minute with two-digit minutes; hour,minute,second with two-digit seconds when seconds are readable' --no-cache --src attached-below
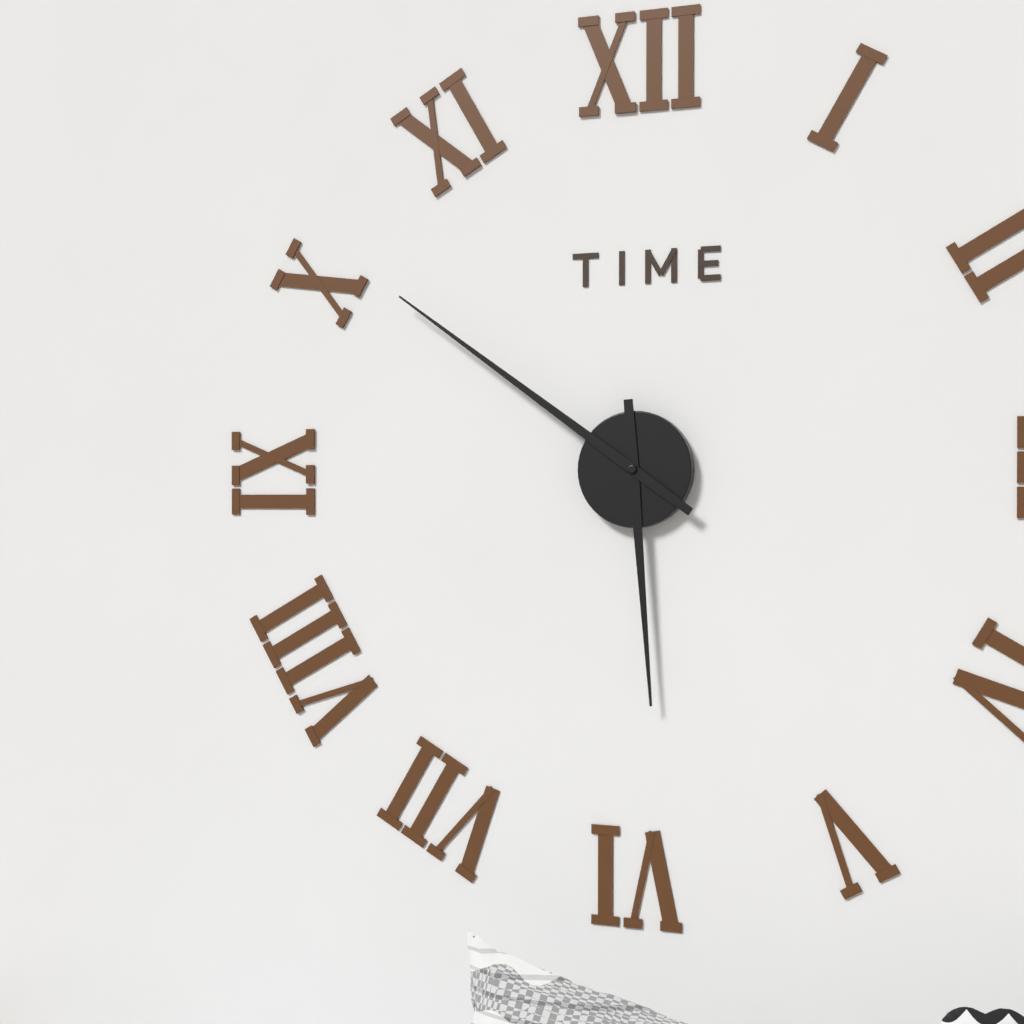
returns 5,51
